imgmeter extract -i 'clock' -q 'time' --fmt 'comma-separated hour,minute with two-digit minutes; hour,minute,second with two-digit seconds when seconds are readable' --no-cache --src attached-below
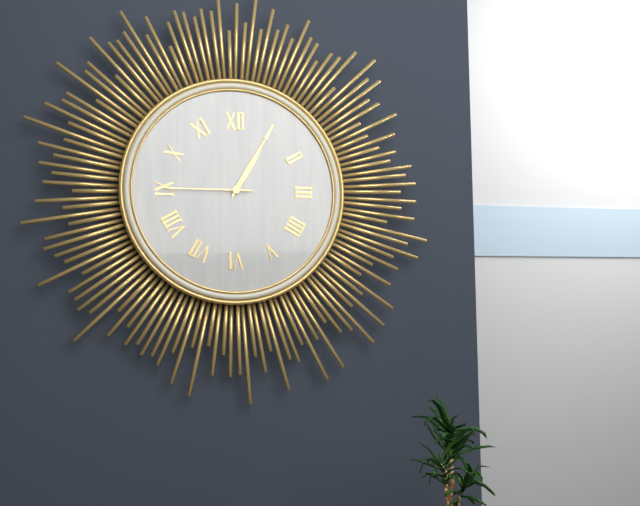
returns 1,05,45
